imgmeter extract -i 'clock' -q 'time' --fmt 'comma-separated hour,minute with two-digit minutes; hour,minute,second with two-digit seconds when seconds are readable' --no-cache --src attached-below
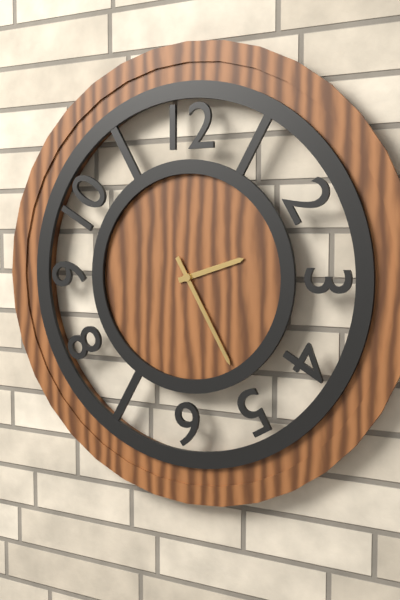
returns 2,25
